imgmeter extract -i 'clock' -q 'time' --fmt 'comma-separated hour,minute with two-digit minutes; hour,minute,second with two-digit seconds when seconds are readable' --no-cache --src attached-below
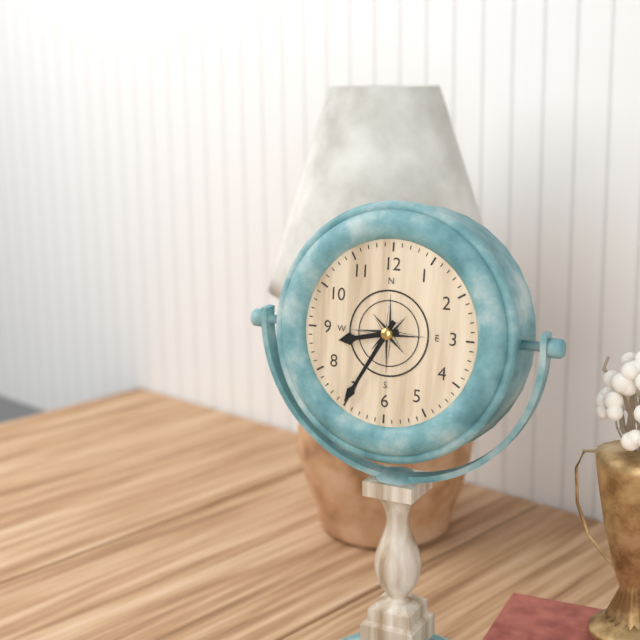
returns 8,35
